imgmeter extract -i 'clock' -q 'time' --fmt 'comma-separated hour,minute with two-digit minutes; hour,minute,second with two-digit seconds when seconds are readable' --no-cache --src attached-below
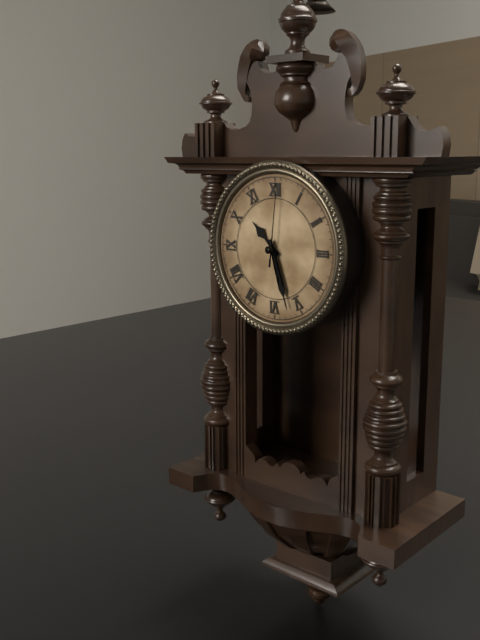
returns 10,27,01
